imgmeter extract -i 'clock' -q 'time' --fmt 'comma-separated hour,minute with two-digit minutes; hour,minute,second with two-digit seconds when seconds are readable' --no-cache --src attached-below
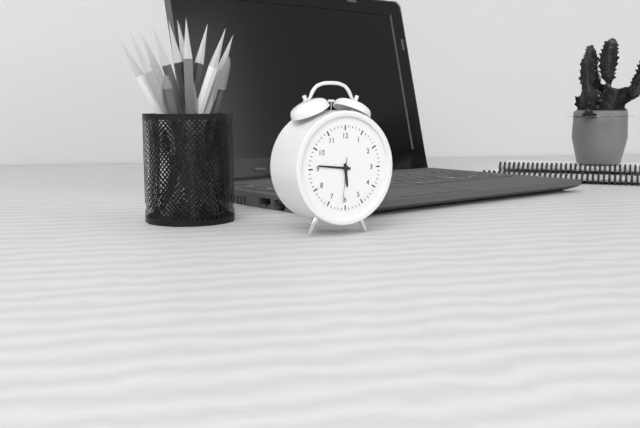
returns 5,46
